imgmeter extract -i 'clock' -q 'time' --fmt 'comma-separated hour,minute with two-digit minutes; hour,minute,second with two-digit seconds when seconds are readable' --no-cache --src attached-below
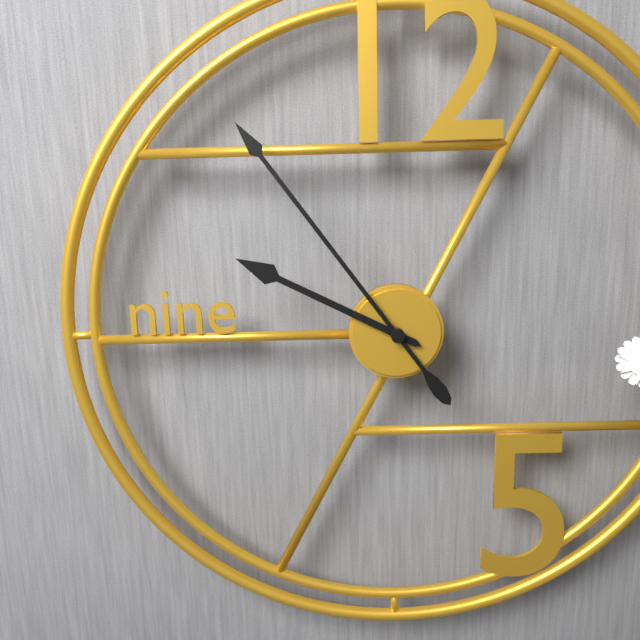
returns 9,54
